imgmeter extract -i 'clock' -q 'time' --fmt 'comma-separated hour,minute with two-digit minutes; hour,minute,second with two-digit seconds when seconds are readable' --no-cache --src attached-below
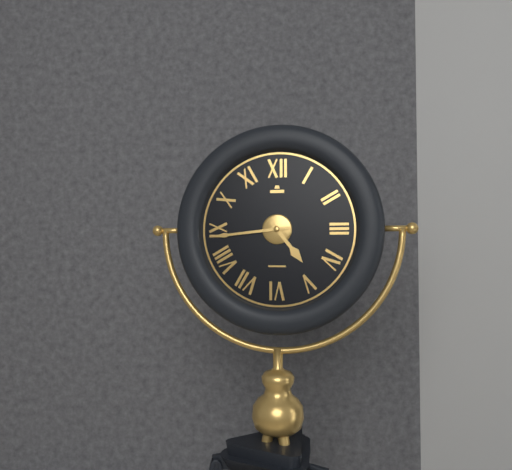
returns 4,44
